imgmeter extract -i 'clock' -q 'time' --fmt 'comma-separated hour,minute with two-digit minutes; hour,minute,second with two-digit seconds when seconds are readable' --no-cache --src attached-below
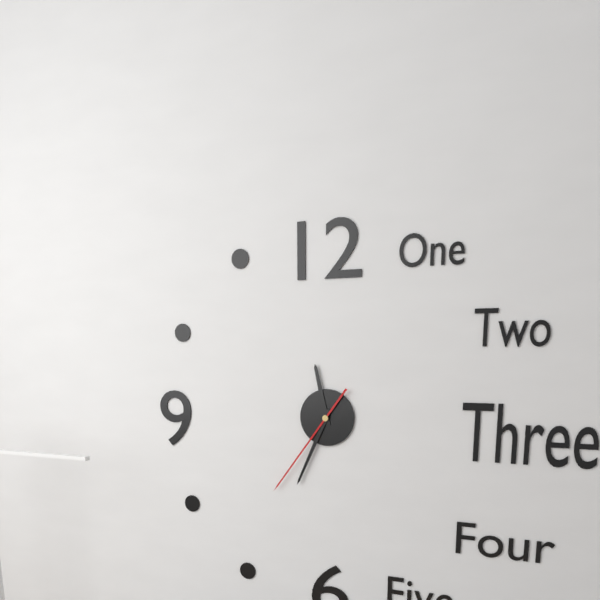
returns 11,34,36
